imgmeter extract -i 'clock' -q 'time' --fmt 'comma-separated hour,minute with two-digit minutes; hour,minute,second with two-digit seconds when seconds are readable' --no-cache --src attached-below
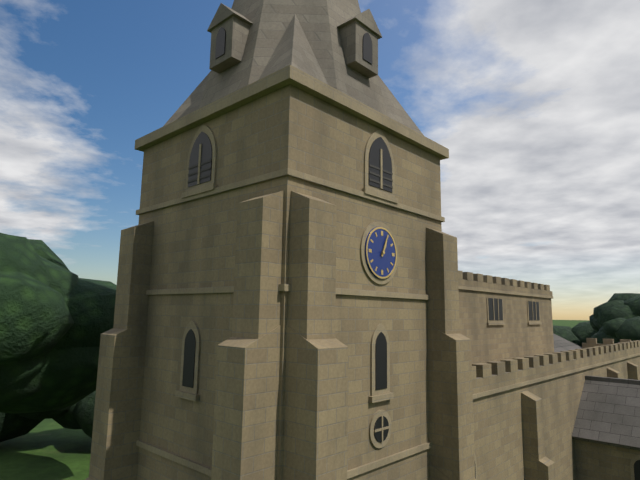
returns 1,04
